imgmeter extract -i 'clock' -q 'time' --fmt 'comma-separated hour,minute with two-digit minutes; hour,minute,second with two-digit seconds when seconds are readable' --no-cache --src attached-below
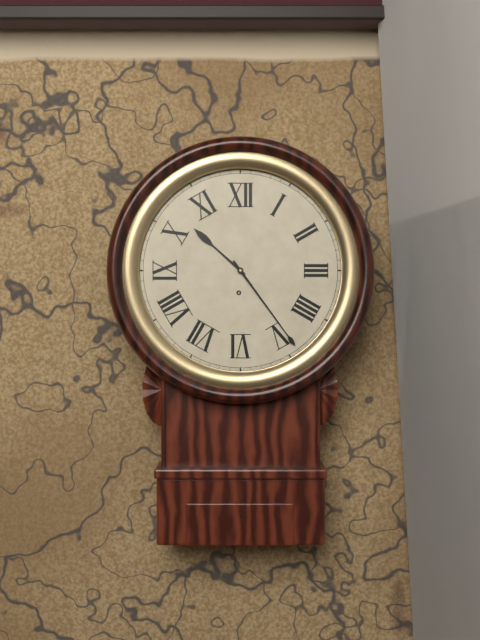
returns 10,24
